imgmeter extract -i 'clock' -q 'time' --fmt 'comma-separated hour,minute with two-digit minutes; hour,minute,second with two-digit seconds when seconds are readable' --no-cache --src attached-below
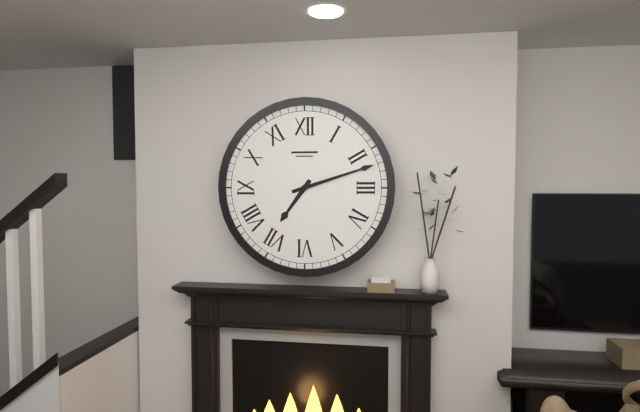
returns 7,12
